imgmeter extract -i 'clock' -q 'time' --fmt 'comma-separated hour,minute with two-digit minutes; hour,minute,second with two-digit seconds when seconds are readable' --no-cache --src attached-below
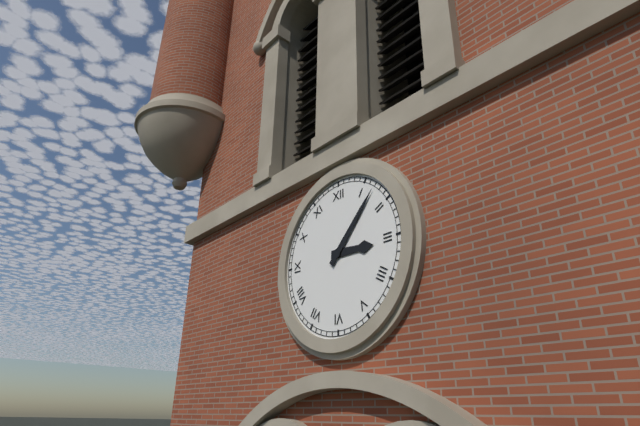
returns 3,07
